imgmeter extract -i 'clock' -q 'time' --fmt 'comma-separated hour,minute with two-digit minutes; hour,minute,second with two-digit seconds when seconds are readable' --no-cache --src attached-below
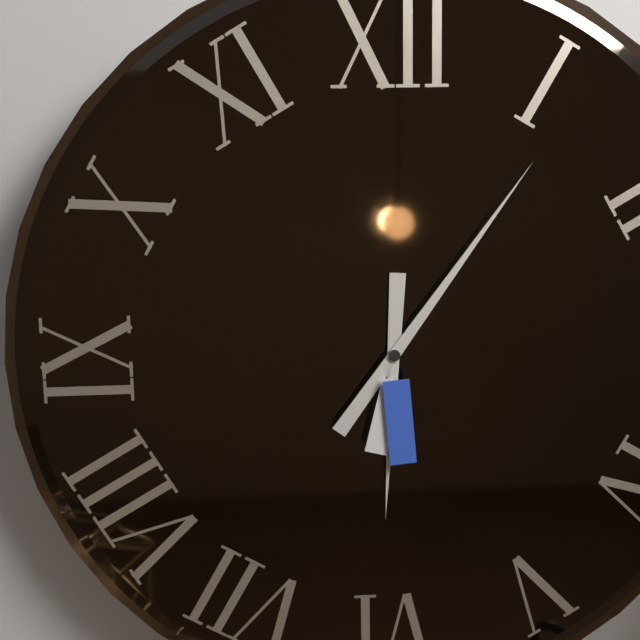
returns 6,06
